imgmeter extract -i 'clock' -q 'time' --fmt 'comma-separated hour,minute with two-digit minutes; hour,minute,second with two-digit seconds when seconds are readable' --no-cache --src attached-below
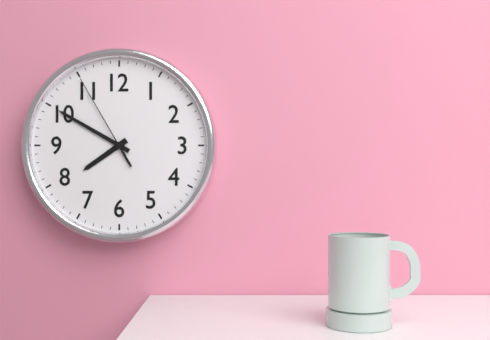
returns 7,50,55
